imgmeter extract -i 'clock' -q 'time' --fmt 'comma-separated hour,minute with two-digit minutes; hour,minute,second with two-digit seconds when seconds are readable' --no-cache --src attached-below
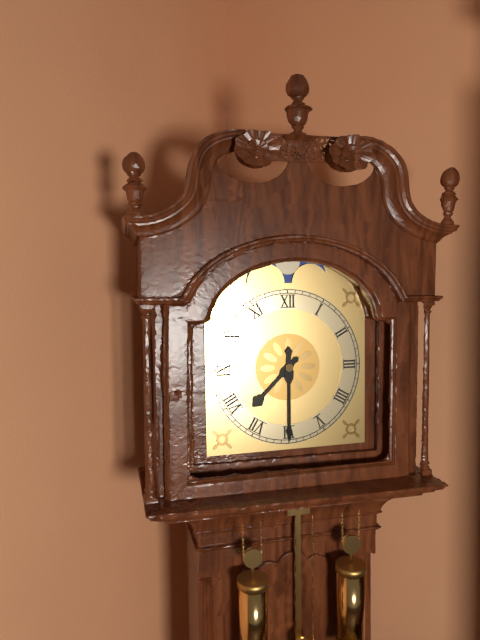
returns 7,30
